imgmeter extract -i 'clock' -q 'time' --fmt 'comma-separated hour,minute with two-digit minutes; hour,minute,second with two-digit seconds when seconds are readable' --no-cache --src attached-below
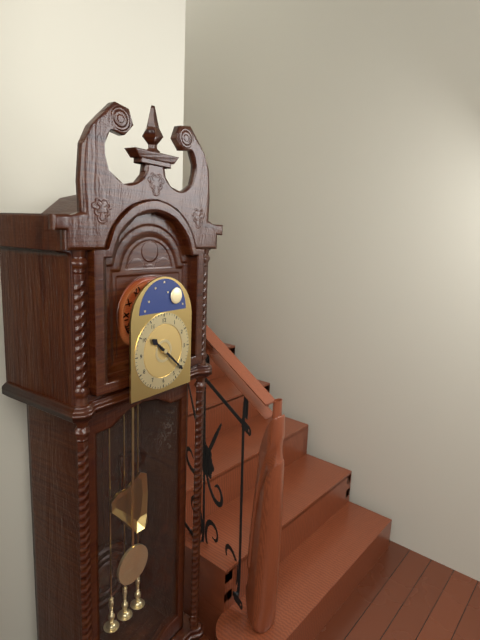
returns 10,22
